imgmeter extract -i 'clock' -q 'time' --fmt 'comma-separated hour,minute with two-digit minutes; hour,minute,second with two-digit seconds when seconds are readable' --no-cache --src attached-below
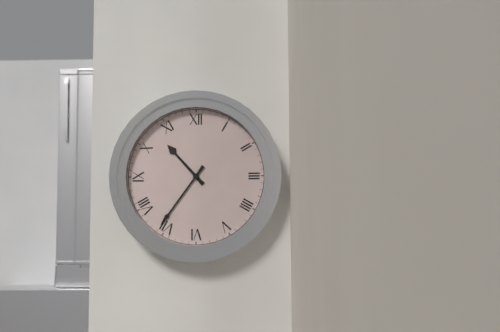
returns 10,36
